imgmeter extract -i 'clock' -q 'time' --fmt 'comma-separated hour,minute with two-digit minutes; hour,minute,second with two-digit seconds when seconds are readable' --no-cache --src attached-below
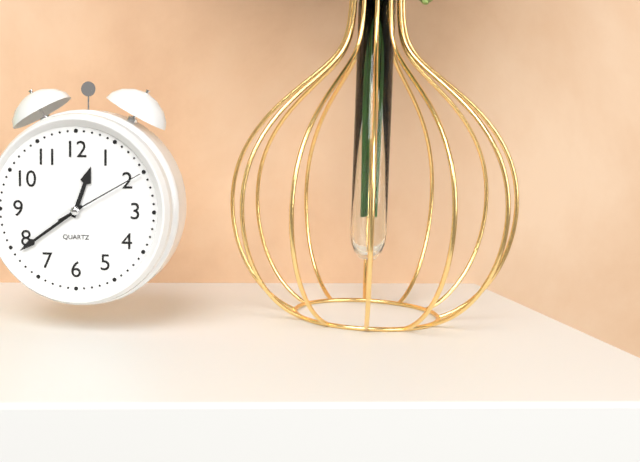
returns 12,39,10
